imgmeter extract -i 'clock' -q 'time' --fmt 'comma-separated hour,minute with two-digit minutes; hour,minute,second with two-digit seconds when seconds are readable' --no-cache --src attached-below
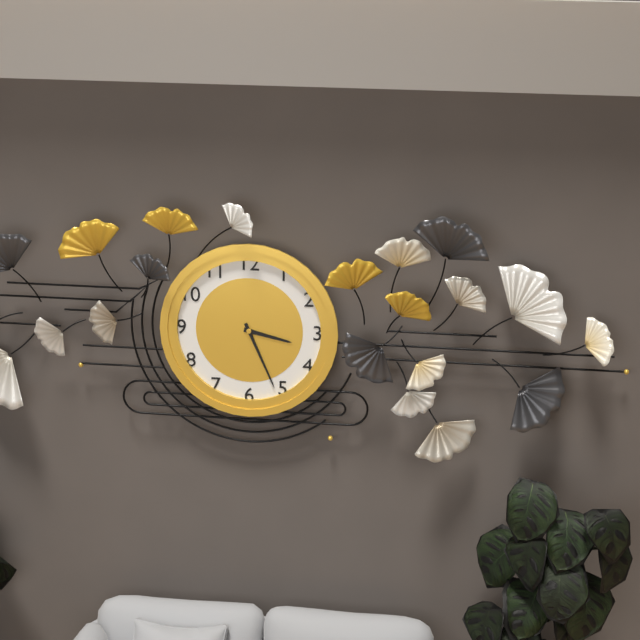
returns 3,26
